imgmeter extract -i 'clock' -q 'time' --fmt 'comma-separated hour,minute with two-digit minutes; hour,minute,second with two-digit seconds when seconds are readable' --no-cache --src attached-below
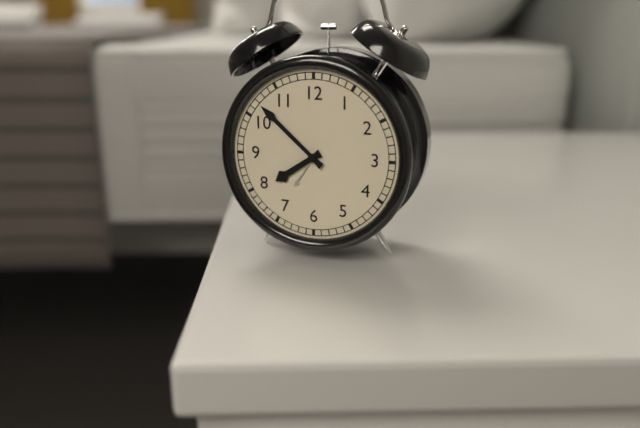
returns 7,52
